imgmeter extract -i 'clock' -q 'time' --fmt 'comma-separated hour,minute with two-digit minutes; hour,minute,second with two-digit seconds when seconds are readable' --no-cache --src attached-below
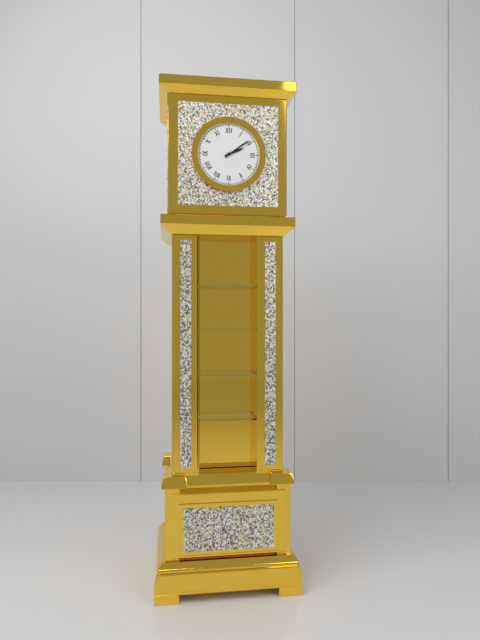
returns 2,09
